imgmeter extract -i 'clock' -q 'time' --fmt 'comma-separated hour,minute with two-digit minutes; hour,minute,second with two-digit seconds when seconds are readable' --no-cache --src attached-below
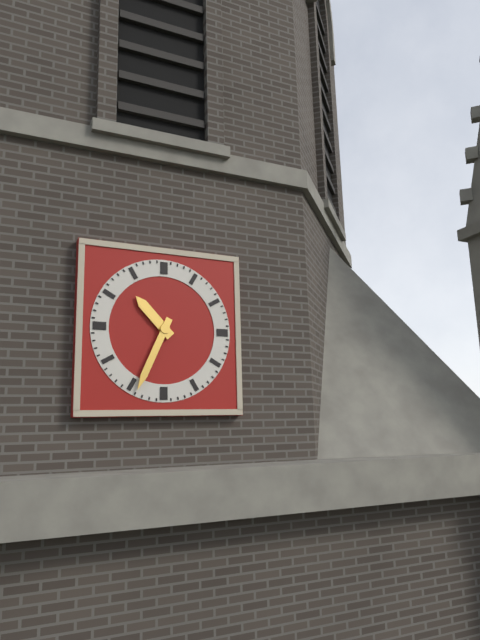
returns 10,34
